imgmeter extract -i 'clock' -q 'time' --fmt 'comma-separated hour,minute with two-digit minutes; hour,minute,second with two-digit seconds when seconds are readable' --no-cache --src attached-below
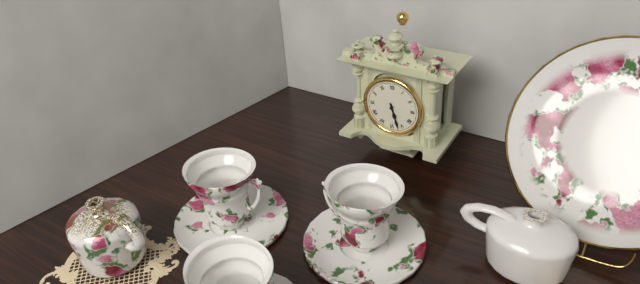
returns 5,27
